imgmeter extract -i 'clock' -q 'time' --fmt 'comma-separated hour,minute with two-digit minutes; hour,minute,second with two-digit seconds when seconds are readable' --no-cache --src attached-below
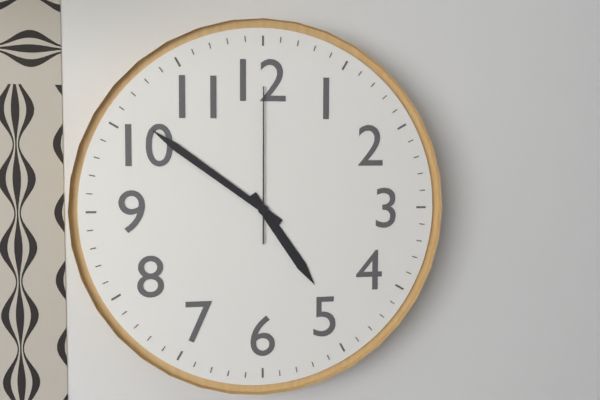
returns 4,51,00
